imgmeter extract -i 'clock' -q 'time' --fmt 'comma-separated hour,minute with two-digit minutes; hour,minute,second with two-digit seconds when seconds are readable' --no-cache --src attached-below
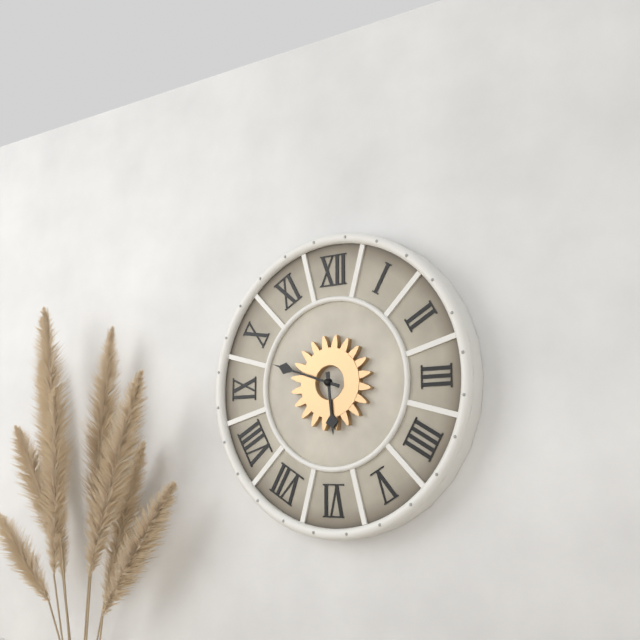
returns 5,48
